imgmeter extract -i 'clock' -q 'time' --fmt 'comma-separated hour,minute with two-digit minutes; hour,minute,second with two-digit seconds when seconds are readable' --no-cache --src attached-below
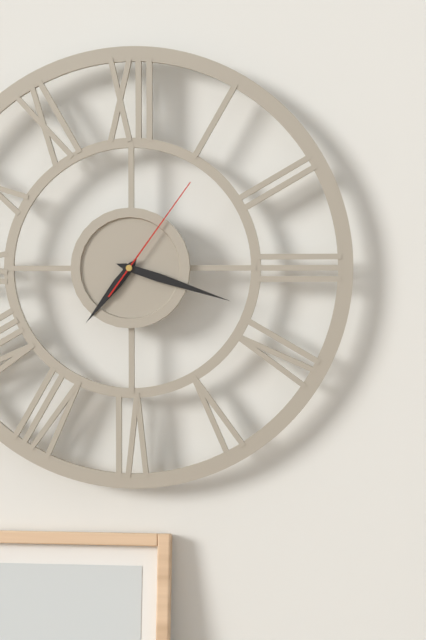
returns 7,18,06
